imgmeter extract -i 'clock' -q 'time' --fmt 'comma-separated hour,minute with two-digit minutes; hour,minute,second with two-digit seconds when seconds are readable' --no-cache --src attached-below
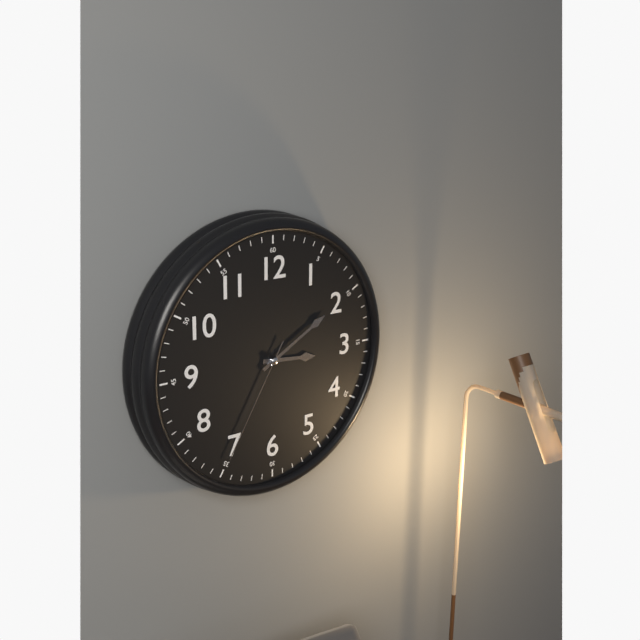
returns 3,10,35
